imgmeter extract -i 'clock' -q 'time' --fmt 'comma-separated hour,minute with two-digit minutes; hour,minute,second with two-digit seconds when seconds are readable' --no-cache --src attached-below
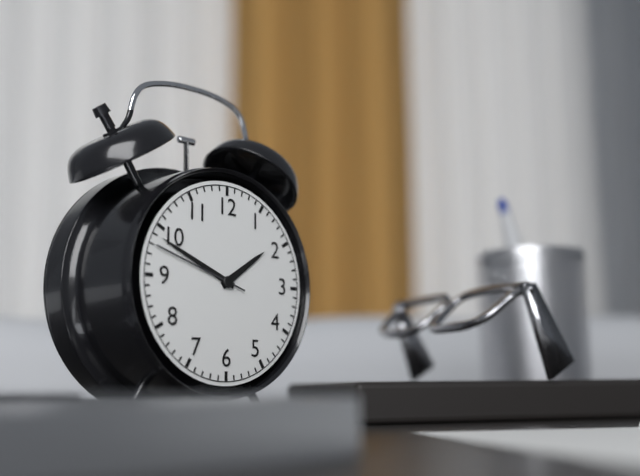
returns 1,49,48
